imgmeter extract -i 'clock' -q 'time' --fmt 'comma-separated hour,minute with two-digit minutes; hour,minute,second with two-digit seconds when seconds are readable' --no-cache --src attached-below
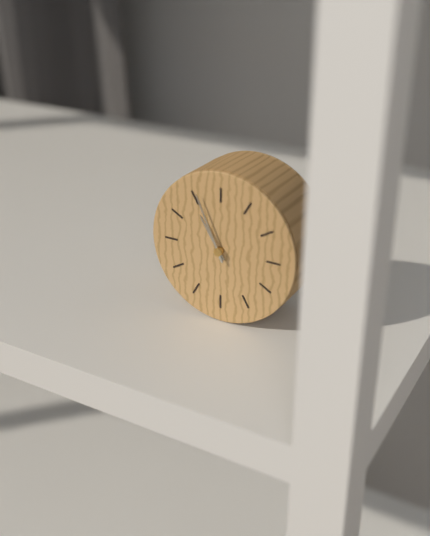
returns 10,56
